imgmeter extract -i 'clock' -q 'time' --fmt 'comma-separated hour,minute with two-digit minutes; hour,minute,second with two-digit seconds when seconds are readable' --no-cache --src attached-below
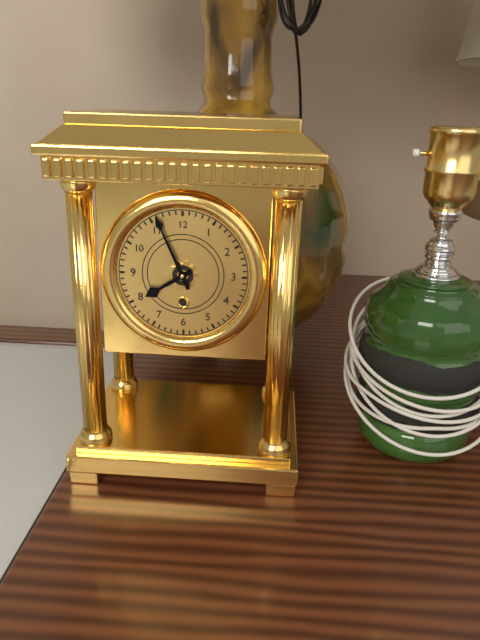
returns 7,56
